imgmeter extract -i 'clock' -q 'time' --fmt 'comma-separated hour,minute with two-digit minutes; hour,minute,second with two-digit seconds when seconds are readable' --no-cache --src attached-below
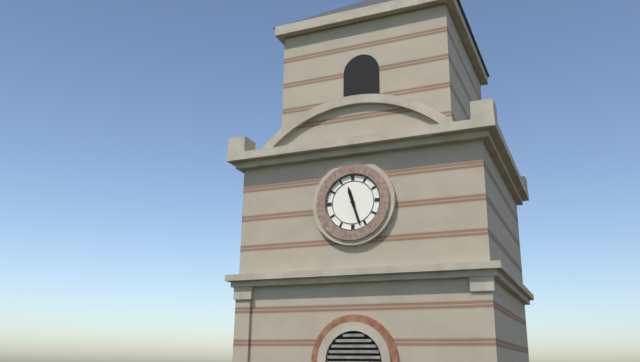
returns 11,27
